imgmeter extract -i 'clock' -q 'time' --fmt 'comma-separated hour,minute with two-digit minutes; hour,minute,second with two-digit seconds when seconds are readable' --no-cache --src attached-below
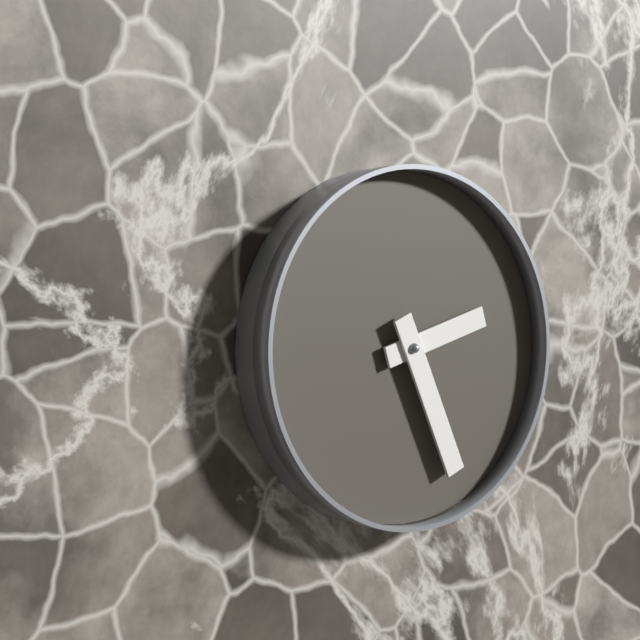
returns 2,26
